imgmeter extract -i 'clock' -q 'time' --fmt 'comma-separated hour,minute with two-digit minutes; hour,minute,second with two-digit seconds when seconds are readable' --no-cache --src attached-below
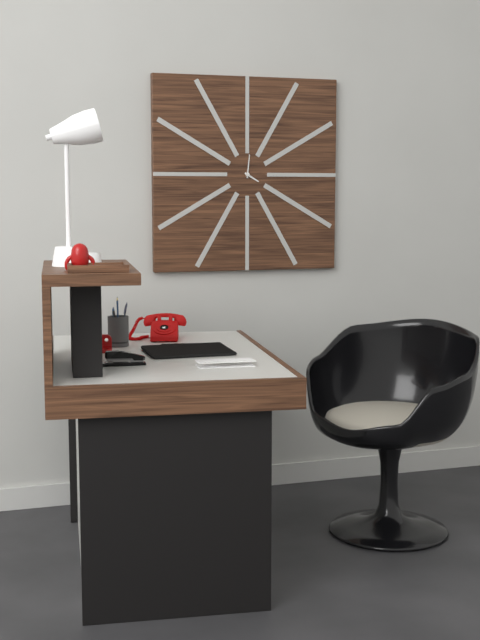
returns 4,01
